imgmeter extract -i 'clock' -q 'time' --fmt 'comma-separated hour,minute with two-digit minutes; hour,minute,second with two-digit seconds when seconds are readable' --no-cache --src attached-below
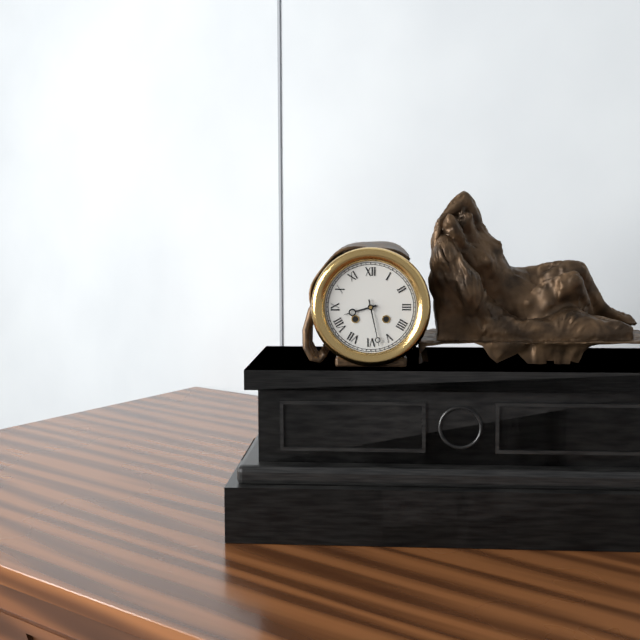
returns 8,28
